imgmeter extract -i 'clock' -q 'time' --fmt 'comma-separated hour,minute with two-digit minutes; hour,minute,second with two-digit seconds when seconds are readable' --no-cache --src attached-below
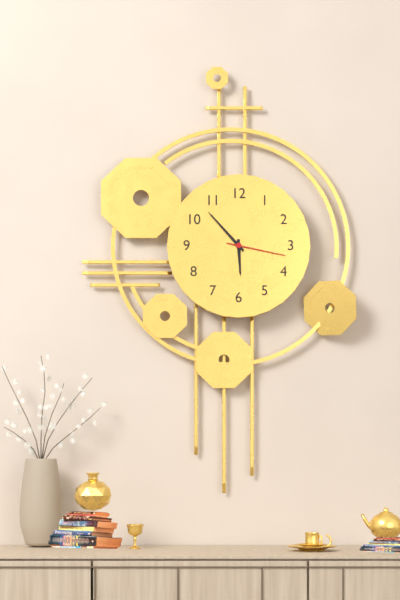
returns 5,53,17
